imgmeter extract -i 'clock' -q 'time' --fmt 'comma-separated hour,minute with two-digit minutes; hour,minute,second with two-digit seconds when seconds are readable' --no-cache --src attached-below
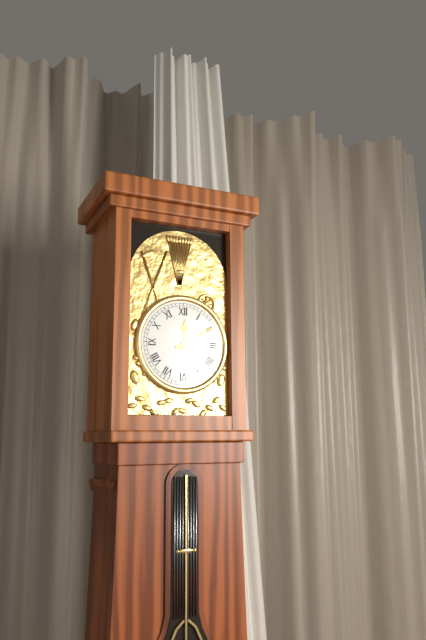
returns 12,10
